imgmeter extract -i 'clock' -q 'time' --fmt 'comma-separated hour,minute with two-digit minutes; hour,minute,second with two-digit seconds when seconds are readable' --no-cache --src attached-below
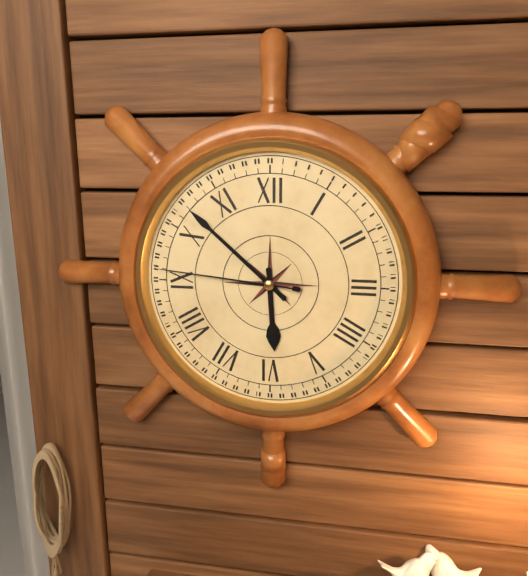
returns 5,52,46
